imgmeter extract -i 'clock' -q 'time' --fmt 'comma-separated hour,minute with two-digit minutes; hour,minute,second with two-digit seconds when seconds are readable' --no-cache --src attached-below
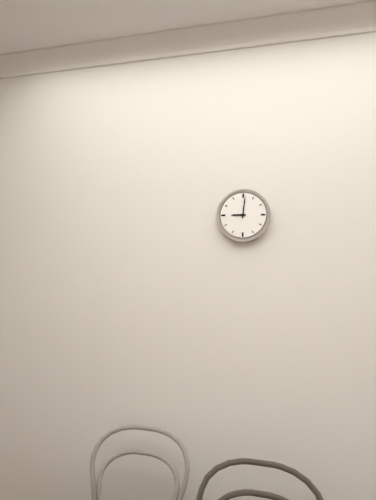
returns 9,01
